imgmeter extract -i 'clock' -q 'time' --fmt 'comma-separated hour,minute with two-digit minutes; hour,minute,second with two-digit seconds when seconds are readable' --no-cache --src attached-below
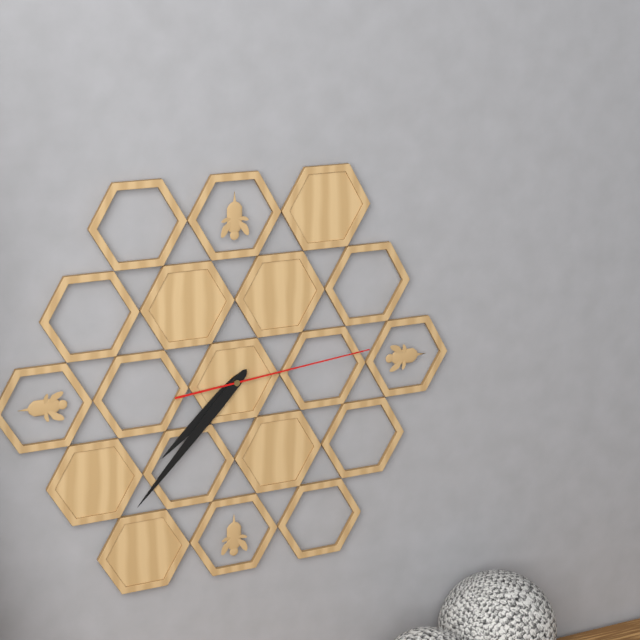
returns 7,37,14
